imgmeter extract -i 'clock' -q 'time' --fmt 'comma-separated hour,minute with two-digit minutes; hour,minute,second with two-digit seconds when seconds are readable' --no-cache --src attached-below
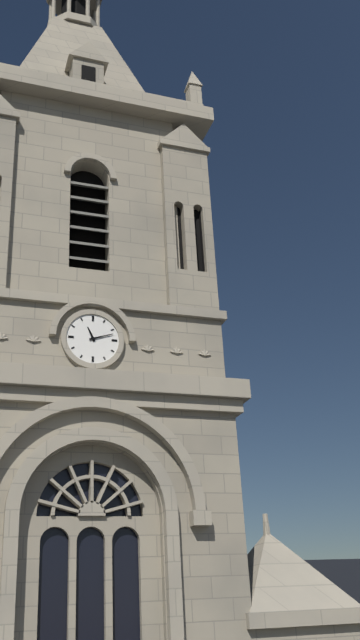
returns 11,12
